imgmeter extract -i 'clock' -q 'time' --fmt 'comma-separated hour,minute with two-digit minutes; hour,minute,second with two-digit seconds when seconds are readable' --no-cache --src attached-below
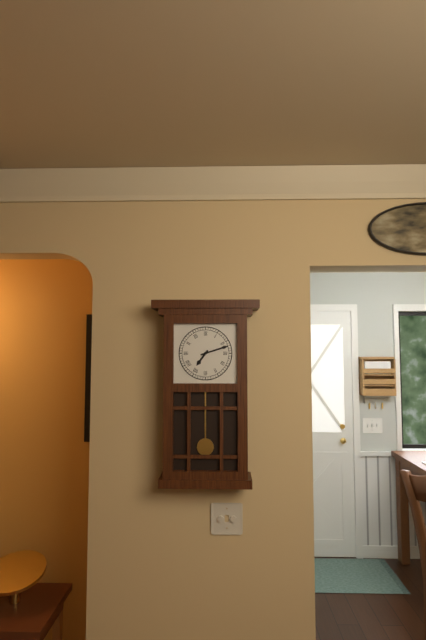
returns 7,12
